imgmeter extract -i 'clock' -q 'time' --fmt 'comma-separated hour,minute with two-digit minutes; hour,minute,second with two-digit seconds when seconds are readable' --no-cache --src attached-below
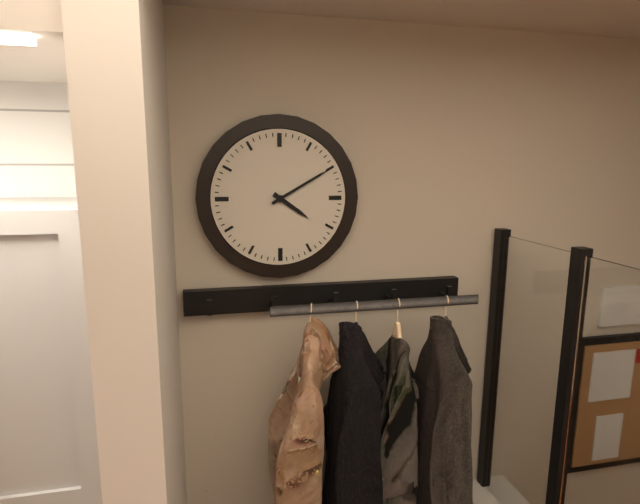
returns 4,10
